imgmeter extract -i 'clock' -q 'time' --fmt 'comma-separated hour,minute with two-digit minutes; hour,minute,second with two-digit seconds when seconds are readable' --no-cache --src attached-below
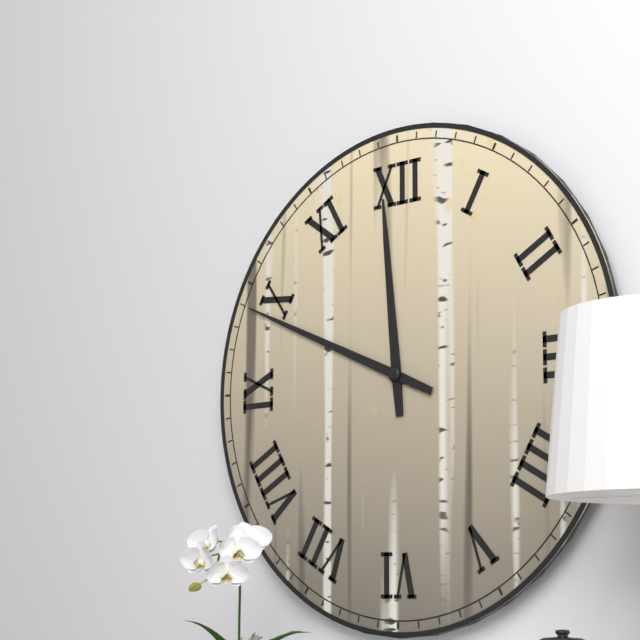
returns 11,49
